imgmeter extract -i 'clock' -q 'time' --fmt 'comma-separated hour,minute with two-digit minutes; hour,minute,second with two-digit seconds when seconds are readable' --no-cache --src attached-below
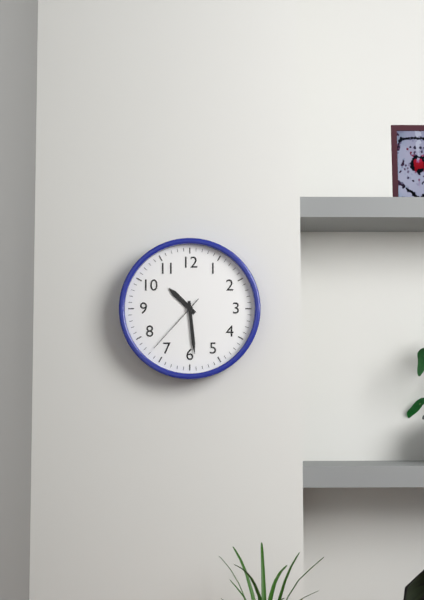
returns 10,29,37
